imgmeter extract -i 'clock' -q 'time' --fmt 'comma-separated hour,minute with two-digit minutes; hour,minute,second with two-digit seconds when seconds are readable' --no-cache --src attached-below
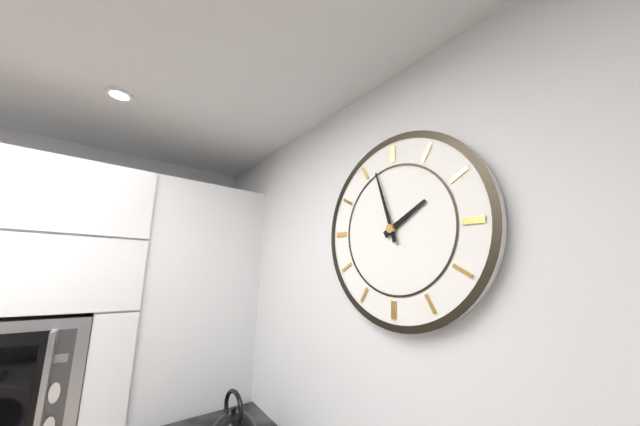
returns 1,57
